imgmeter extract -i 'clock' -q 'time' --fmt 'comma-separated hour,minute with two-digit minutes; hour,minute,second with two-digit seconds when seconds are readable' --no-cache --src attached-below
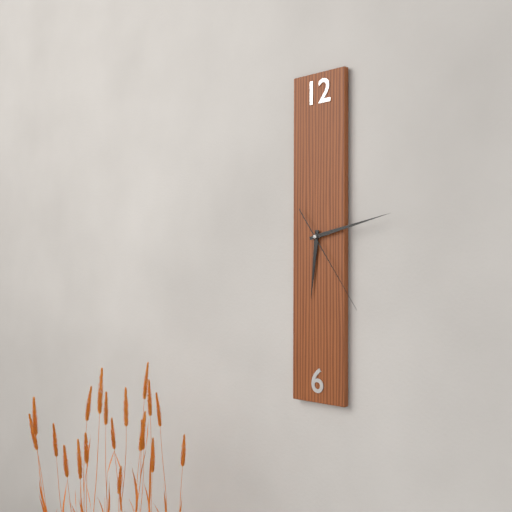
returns 6,13,24
